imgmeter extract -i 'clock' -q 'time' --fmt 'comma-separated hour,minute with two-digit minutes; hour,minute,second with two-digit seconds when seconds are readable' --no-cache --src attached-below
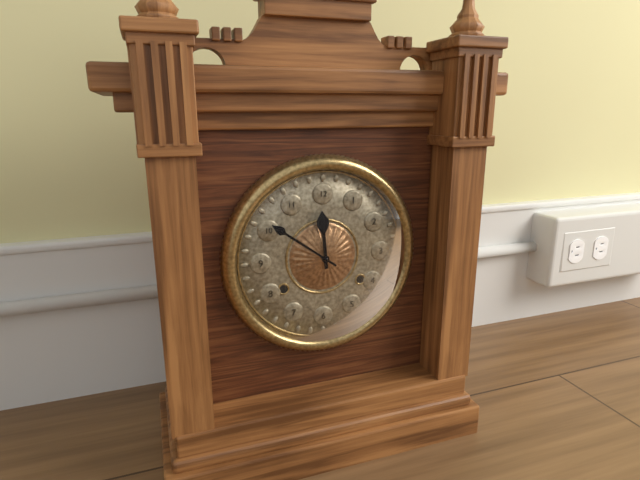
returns 11,51
